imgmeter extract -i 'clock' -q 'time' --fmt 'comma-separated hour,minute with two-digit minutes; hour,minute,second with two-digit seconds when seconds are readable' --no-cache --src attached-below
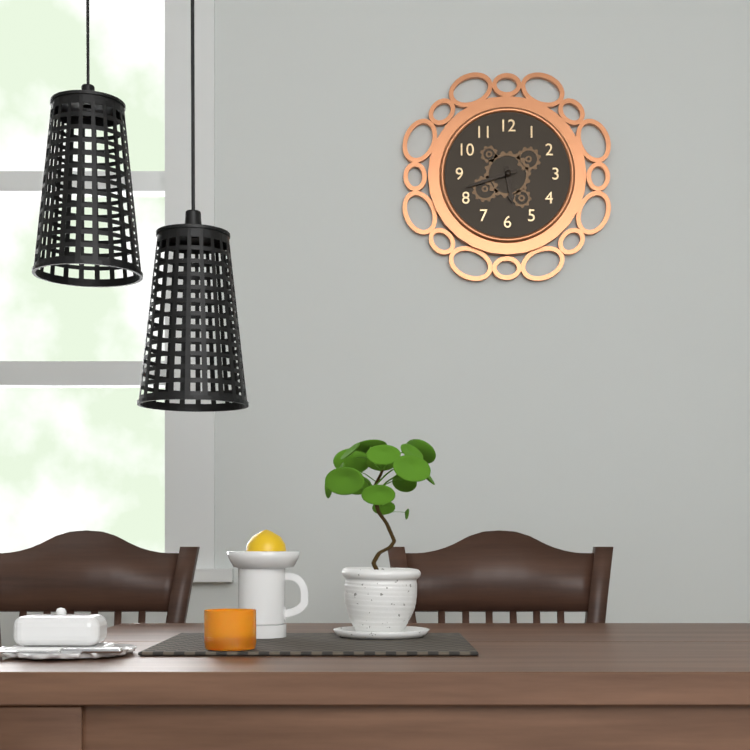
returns 5,42
